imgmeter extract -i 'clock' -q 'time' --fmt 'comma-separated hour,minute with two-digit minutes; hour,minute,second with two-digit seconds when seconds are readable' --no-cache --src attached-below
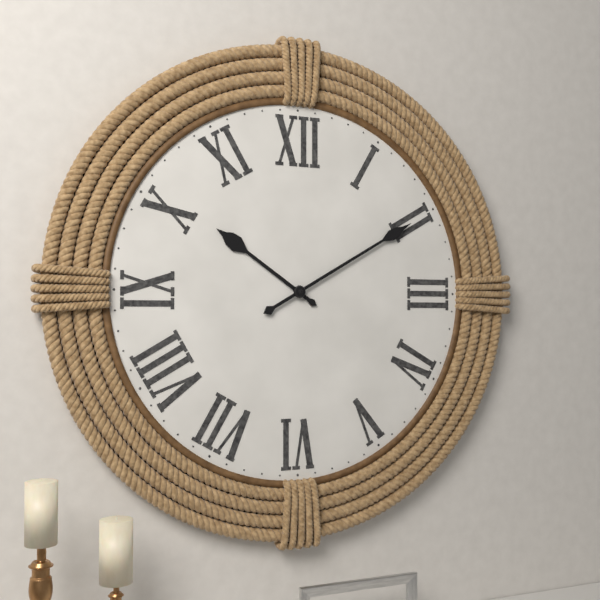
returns 10,10
